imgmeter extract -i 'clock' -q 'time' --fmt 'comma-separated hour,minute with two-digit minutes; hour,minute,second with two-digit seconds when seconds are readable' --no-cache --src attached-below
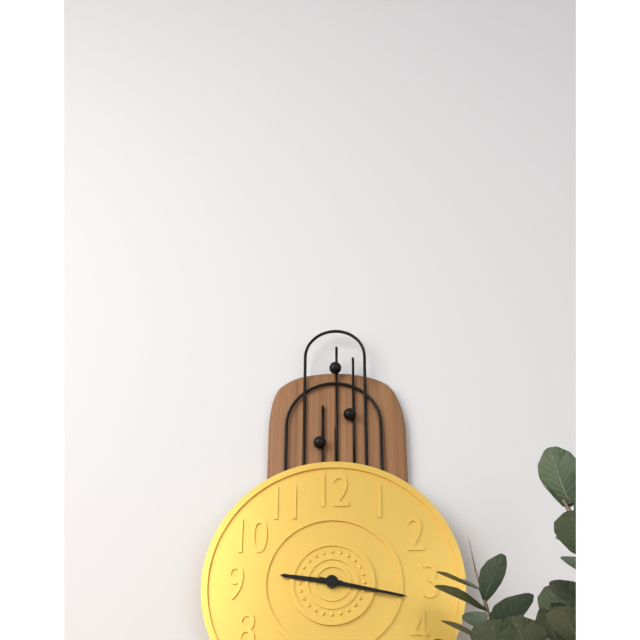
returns 9,17
